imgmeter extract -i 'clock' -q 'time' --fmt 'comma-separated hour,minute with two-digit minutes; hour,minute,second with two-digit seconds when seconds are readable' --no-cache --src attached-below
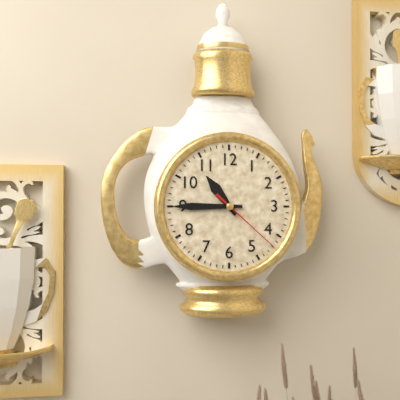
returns 10,45,22
